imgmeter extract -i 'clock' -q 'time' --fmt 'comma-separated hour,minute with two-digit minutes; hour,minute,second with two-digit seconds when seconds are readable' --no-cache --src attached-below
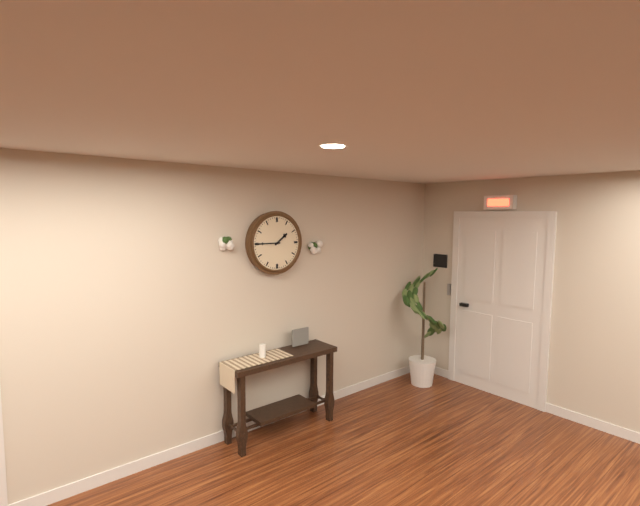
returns 1,45
